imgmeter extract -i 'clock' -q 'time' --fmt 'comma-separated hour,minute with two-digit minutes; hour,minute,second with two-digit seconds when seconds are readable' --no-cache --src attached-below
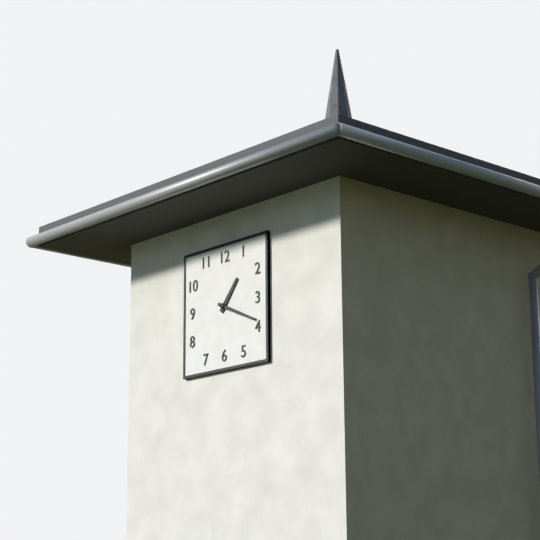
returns 1,19
